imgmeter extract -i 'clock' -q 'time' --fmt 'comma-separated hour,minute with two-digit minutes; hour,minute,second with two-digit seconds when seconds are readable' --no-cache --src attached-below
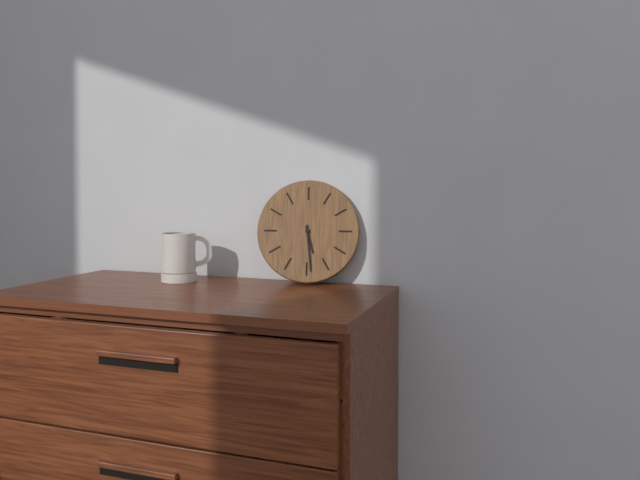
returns 5,29
